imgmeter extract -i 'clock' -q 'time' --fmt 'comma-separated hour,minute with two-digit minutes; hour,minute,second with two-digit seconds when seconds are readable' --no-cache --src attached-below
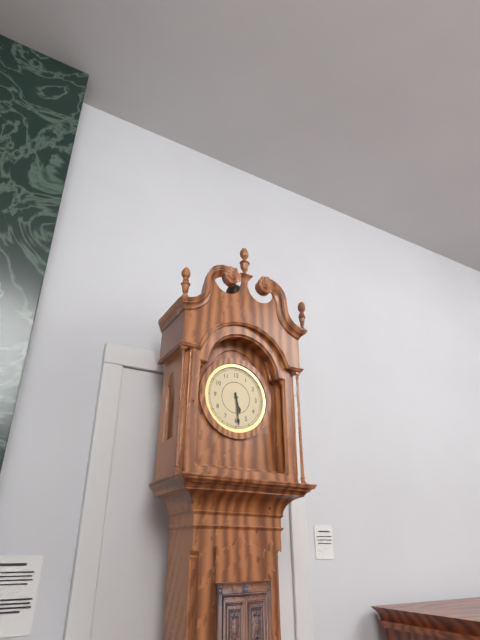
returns 5,29
